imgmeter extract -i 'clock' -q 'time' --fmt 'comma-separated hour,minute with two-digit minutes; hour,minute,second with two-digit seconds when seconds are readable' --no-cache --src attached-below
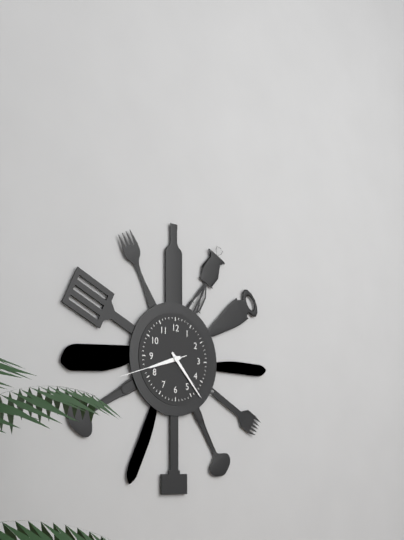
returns 8,23,42
